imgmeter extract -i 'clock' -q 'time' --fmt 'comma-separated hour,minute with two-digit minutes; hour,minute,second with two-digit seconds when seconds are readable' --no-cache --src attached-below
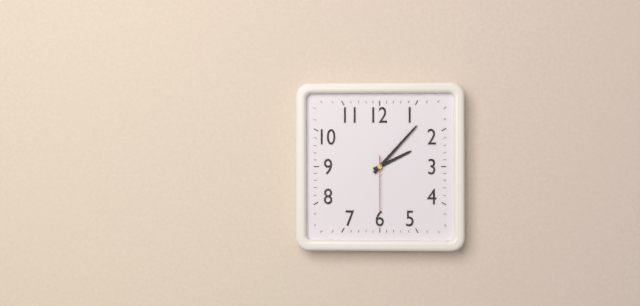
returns 2,07,30
